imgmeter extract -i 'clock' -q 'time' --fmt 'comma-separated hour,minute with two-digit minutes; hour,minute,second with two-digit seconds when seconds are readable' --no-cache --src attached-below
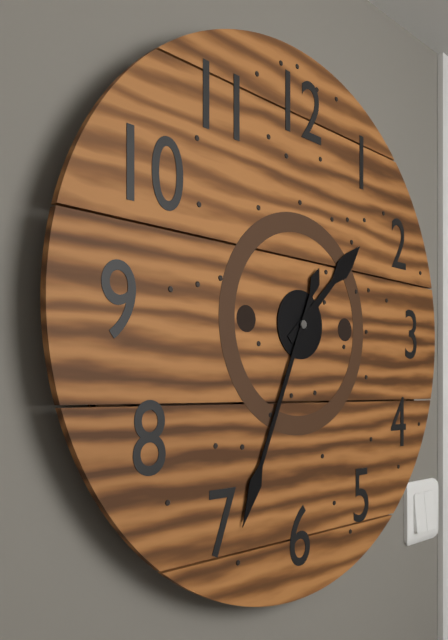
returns 1,34
